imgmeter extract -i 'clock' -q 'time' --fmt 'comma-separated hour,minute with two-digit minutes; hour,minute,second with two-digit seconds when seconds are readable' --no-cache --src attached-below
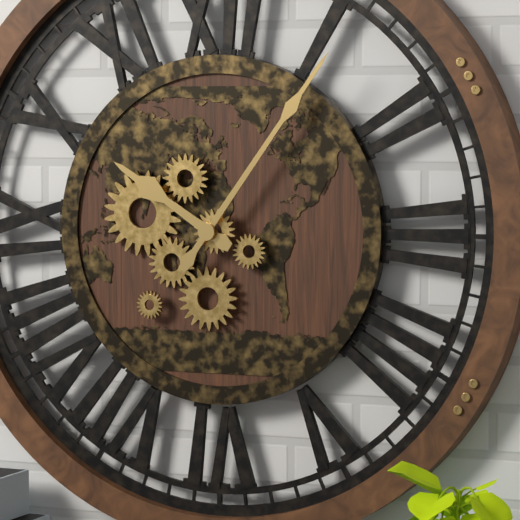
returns 10,06
